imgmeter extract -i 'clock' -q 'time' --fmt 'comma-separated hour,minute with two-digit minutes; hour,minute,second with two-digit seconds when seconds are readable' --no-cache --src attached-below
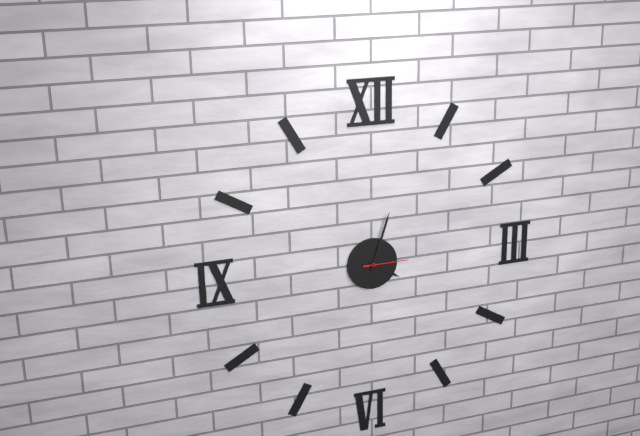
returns 4,03
